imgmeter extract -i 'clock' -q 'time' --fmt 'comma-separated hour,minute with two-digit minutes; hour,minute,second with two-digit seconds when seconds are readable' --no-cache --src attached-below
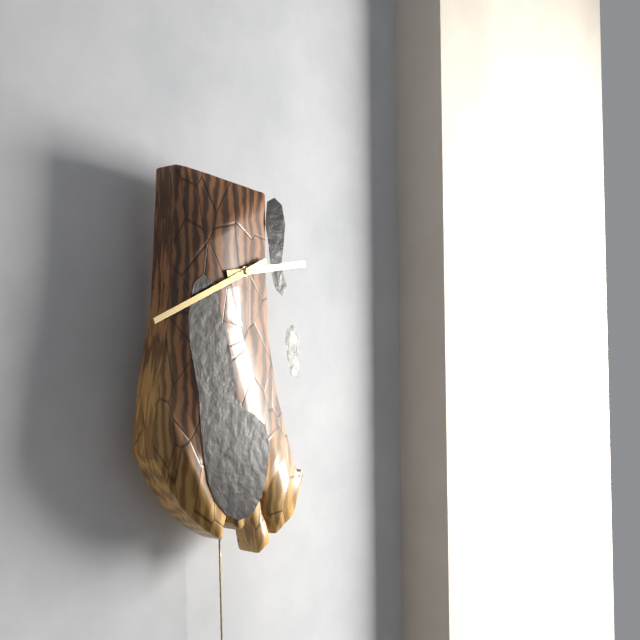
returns 2,41
